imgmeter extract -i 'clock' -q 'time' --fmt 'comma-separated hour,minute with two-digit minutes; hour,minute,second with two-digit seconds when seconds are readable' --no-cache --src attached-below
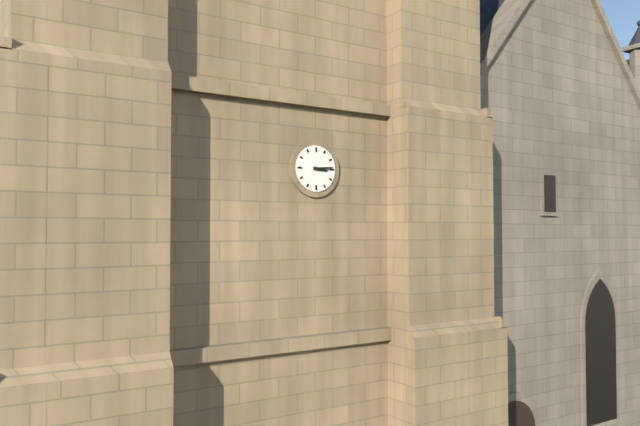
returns 3,14
